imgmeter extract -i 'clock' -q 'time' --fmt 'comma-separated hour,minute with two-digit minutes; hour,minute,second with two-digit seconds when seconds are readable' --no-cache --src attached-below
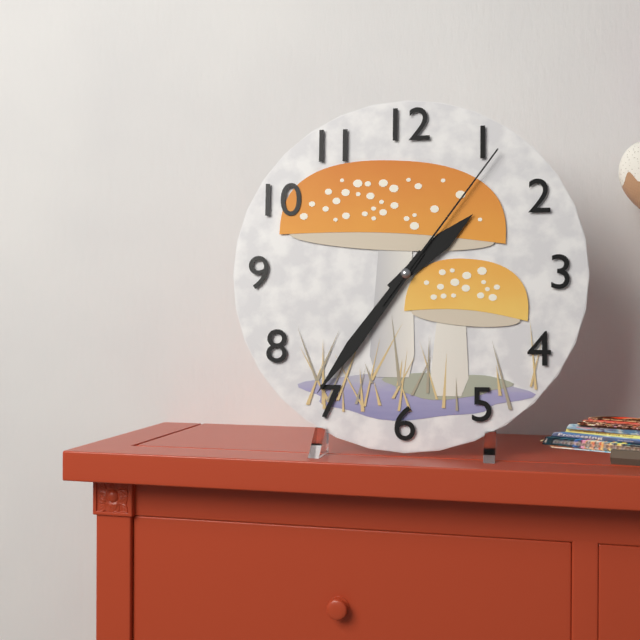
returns 1,36,06
